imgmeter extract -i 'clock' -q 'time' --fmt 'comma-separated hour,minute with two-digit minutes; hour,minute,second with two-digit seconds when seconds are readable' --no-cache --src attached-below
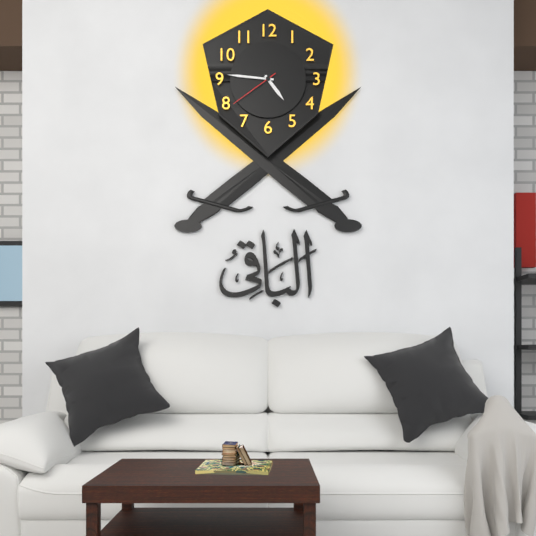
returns 4,46,39
